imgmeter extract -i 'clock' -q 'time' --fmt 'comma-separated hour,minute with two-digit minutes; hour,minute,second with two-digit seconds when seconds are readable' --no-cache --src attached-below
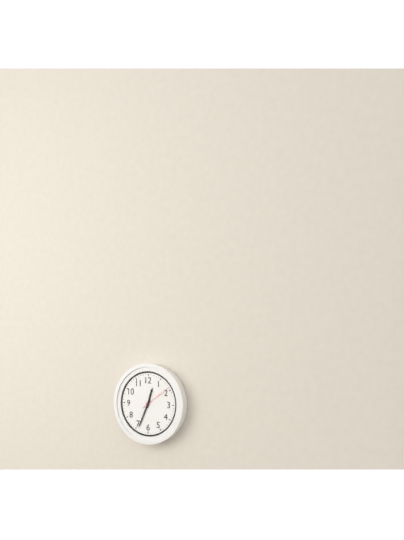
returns 12,34
